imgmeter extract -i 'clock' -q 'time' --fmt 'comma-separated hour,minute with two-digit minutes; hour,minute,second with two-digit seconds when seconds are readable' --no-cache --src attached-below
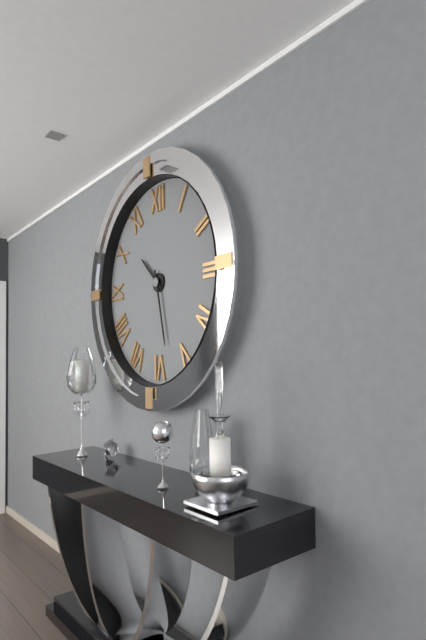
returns 10,28
